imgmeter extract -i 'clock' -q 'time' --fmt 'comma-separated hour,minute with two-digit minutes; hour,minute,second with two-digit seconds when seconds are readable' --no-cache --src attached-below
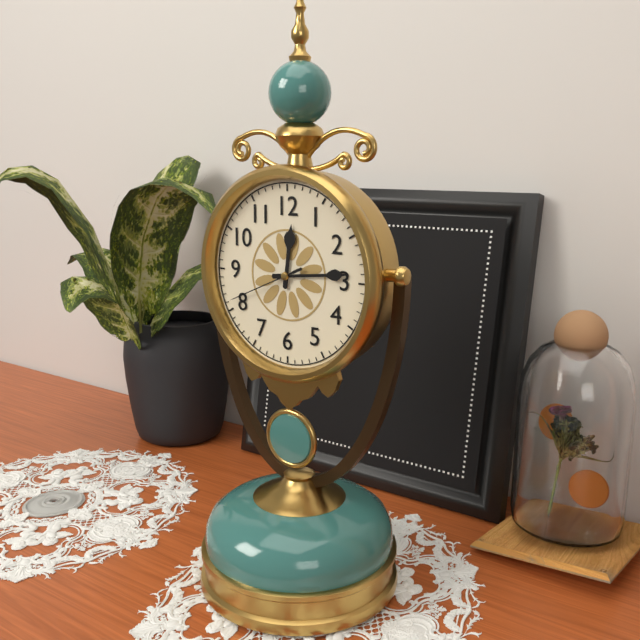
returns 12,14,41
